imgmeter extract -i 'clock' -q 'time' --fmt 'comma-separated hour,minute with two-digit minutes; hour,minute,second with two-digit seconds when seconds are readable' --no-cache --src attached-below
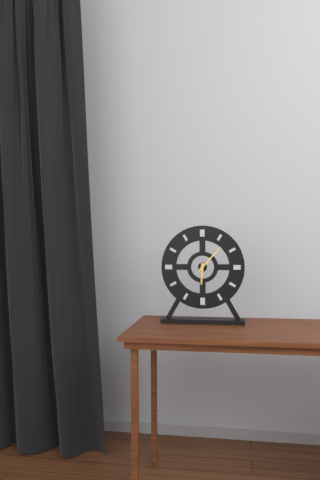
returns 6,07
